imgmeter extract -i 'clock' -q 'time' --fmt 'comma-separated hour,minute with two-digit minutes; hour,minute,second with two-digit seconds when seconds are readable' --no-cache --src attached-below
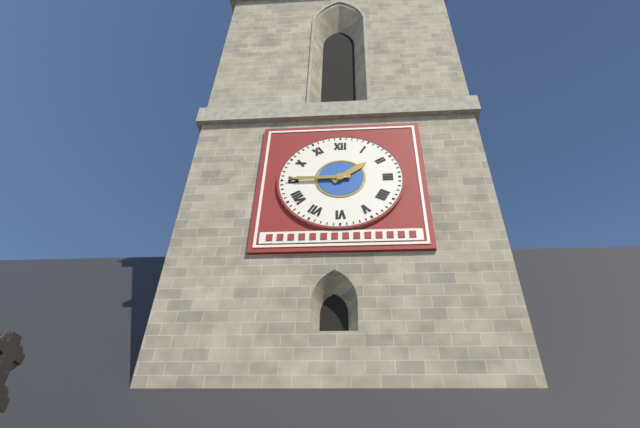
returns 1,45
